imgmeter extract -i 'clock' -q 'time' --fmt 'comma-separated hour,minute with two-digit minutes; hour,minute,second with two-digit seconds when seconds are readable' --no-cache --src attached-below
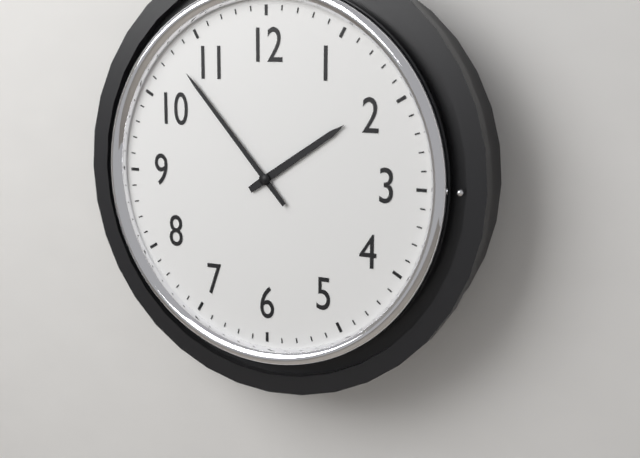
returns 1,53
